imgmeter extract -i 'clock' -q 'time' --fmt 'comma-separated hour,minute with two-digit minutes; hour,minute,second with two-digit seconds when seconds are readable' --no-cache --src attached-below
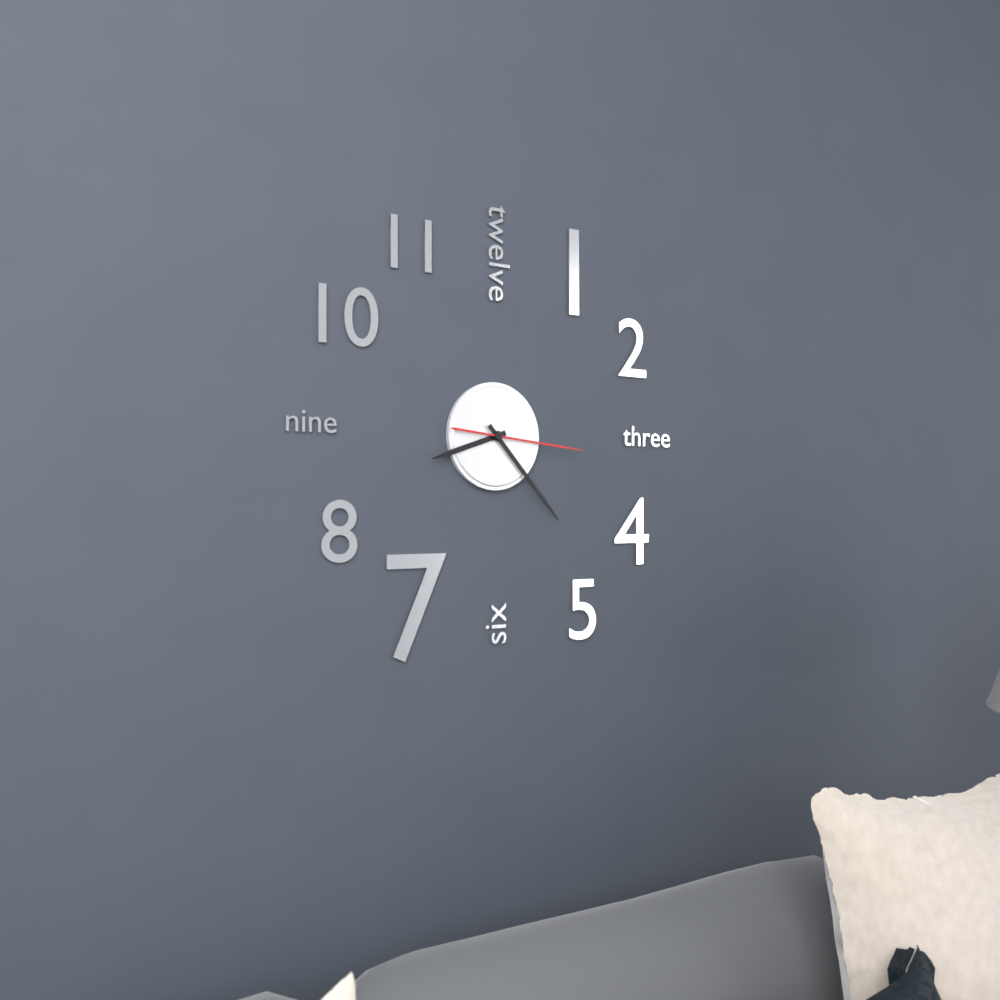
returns 8,23,16
